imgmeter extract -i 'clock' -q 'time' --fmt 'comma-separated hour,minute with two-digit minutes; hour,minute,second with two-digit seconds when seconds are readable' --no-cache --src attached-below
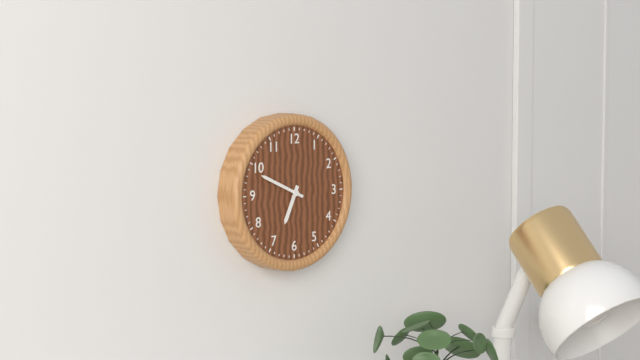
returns 6,49
